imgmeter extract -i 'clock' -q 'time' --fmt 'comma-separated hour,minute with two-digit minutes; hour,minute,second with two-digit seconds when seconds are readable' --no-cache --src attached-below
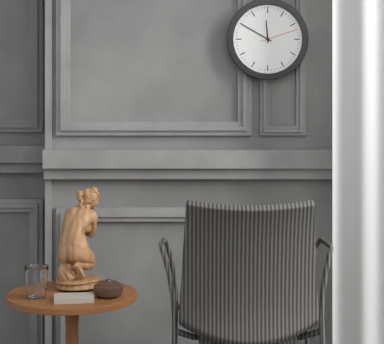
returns 11,50
